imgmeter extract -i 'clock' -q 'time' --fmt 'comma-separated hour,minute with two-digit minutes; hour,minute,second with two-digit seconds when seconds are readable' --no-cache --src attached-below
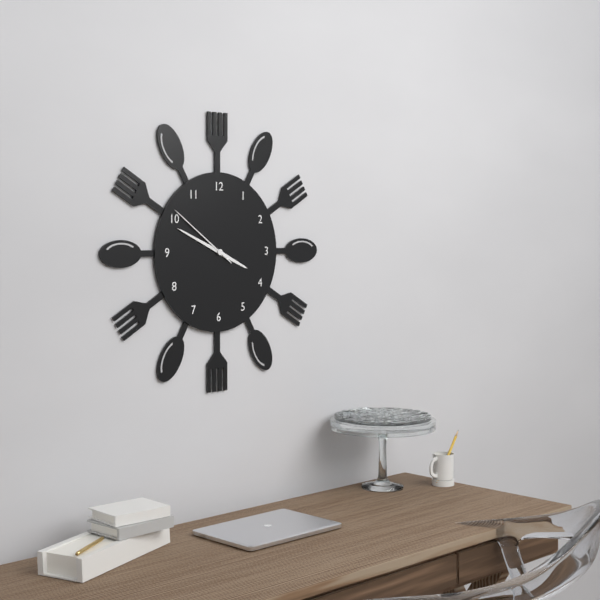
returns 3,49,51
